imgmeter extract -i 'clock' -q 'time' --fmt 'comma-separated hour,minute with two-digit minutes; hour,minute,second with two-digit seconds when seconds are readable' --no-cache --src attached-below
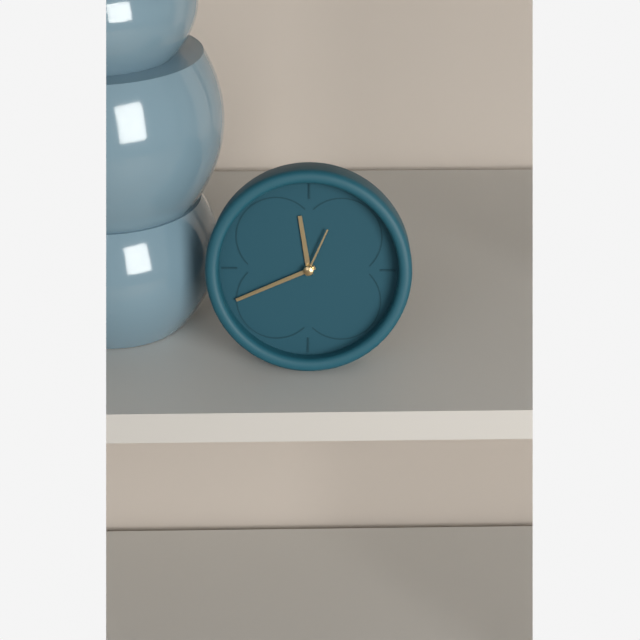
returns 11,41,04
